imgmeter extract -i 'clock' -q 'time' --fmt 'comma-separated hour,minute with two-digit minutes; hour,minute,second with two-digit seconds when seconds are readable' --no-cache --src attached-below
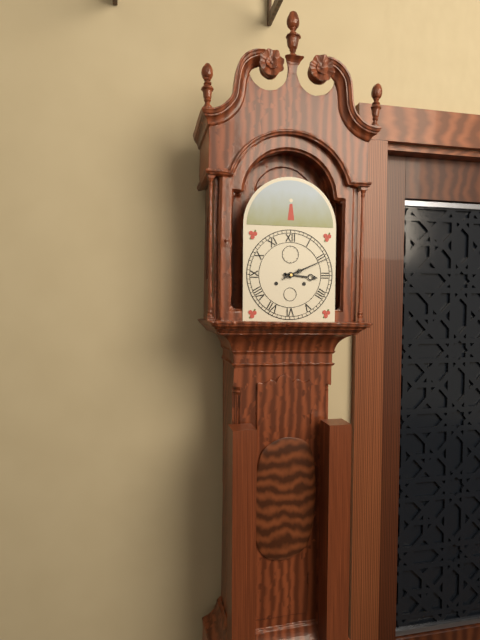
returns 3,11
